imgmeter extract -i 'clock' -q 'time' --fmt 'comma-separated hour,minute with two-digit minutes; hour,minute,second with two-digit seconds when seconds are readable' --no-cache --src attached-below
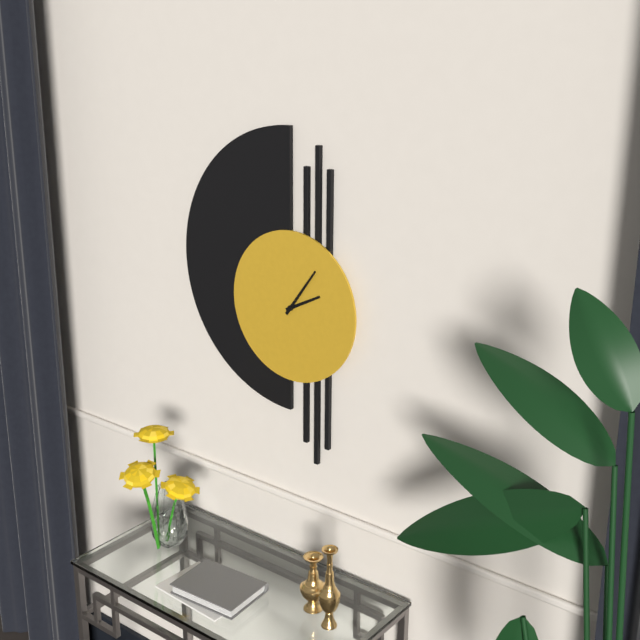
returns 2,06
